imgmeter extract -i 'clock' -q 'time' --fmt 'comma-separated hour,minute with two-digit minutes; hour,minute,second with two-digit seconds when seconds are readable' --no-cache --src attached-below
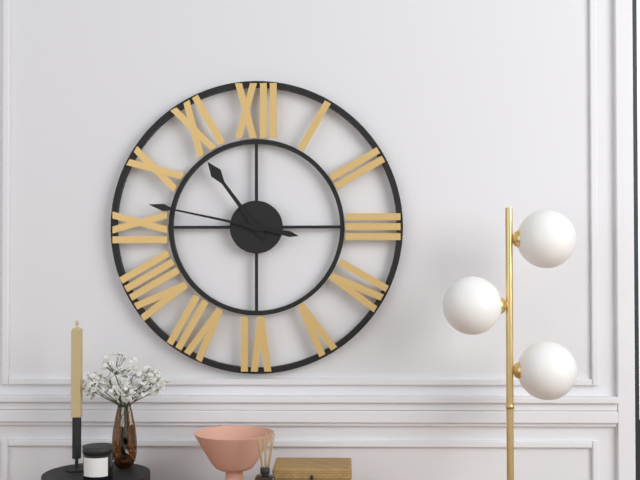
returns 10,47
